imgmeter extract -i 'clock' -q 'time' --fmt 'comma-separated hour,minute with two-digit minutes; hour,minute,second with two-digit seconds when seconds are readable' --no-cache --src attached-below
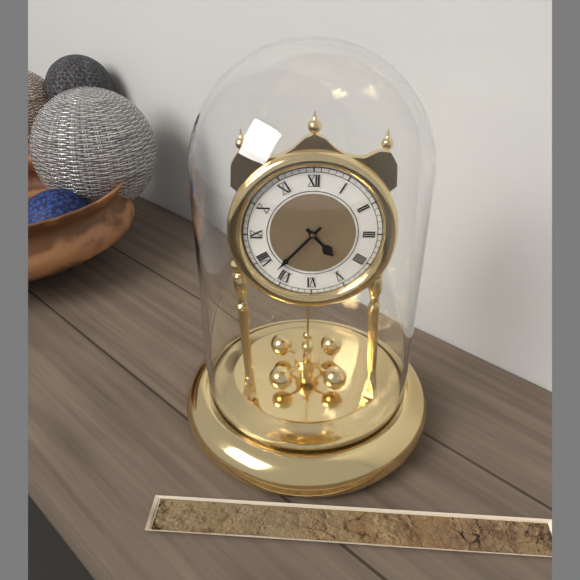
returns 4,37
